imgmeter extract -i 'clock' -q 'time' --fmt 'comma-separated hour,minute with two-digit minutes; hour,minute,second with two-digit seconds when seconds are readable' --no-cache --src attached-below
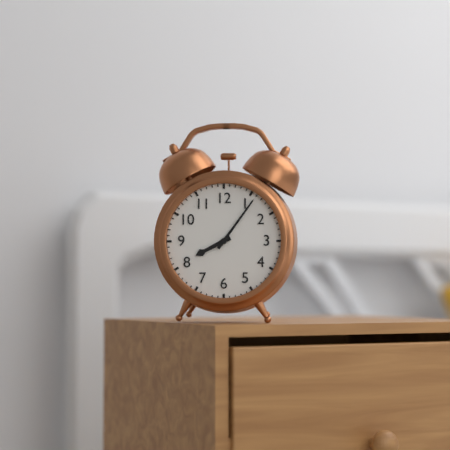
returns 8,06
